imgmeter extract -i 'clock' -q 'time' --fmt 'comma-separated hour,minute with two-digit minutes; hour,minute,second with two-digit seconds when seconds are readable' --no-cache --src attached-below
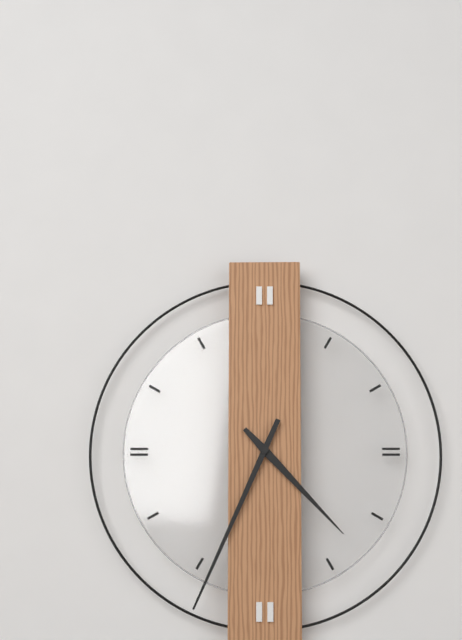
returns 4,34
